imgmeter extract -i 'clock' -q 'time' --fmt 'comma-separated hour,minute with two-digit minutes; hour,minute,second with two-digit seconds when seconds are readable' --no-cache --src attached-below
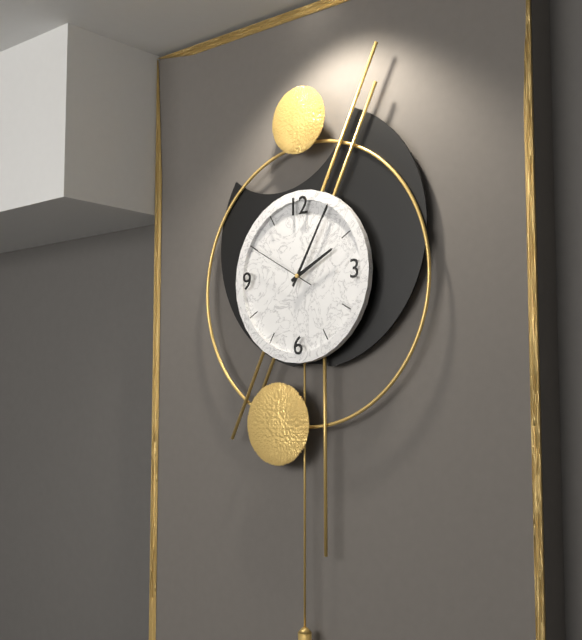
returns 2,05,50
